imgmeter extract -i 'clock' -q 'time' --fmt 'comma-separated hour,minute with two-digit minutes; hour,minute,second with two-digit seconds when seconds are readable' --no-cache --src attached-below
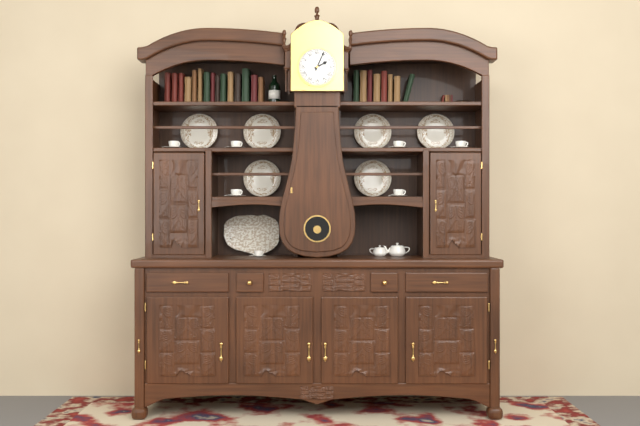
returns 2,04
